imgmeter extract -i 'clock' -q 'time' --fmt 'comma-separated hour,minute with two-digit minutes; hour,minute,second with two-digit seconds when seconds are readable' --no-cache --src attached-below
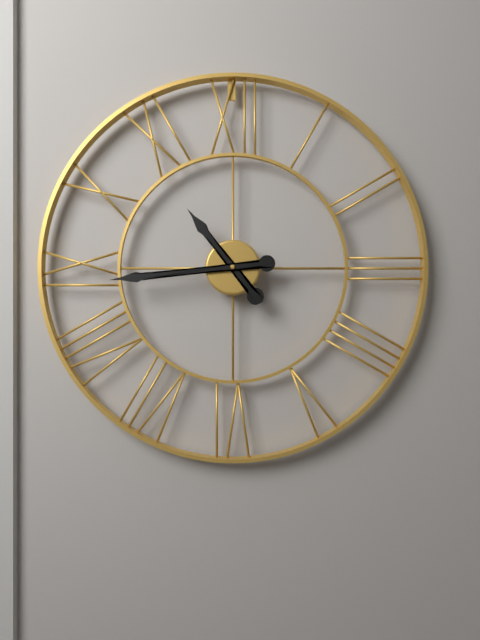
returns 10,44
